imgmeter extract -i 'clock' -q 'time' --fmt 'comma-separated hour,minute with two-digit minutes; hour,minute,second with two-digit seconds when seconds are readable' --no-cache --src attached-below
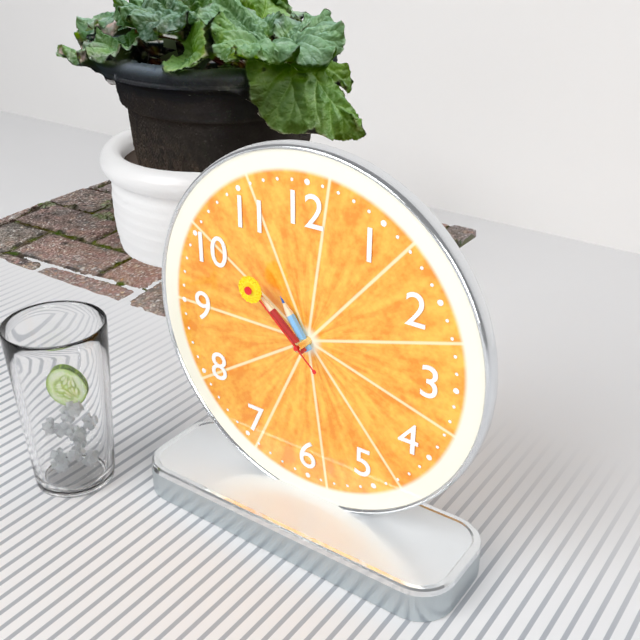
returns 10,52,52
